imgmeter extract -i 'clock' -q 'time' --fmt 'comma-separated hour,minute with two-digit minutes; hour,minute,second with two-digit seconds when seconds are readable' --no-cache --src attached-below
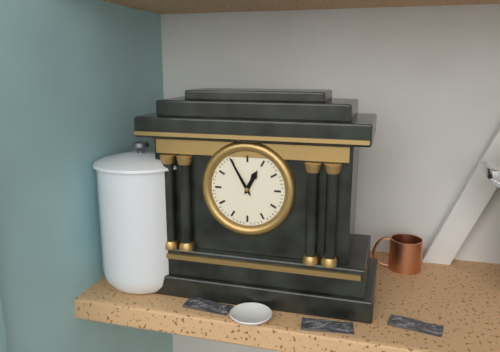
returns 12,55
